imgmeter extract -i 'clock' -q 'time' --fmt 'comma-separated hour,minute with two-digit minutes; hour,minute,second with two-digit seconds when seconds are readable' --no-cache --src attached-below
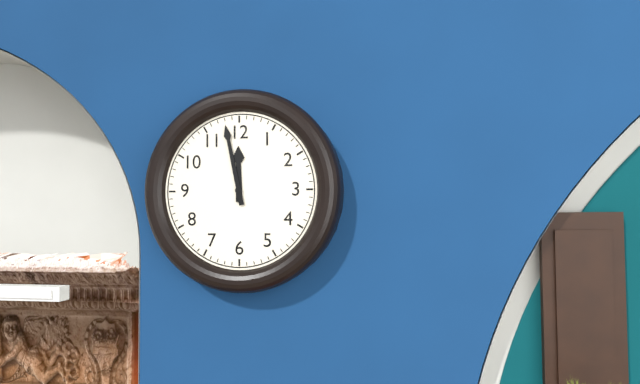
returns 11,58
